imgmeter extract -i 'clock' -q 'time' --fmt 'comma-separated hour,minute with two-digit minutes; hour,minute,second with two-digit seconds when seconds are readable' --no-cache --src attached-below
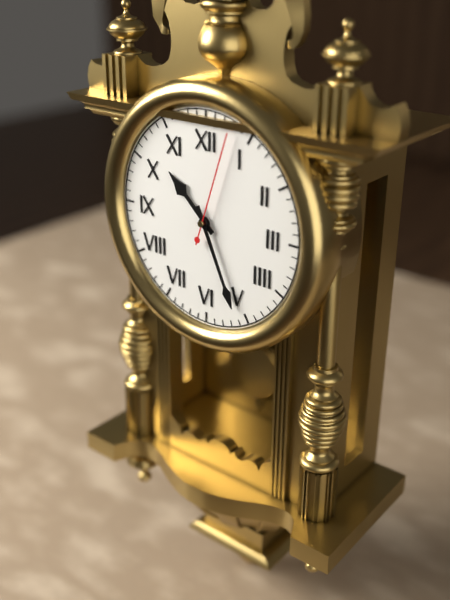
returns 10,26,03
